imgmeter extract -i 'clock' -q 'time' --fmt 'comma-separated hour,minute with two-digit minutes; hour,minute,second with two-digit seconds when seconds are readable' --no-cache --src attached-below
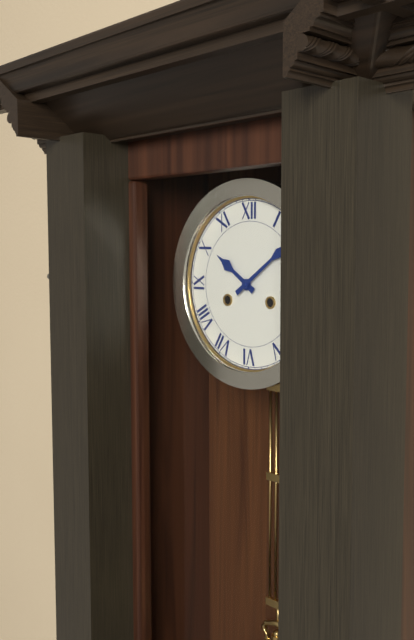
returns 10,09
